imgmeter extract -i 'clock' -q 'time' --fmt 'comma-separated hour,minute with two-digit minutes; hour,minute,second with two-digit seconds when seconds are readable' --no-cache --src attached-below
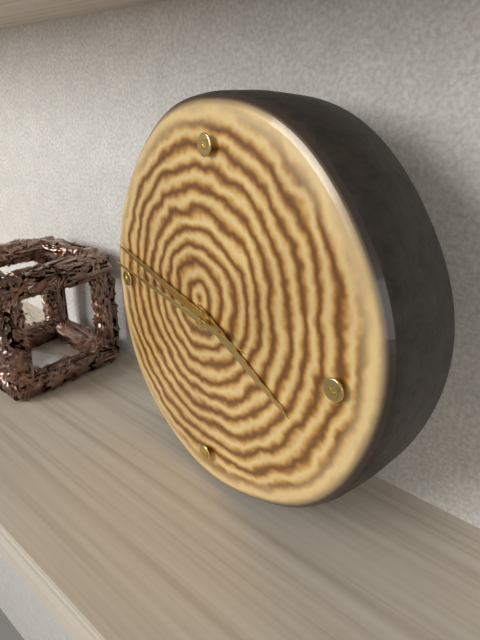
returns 3,47,46
